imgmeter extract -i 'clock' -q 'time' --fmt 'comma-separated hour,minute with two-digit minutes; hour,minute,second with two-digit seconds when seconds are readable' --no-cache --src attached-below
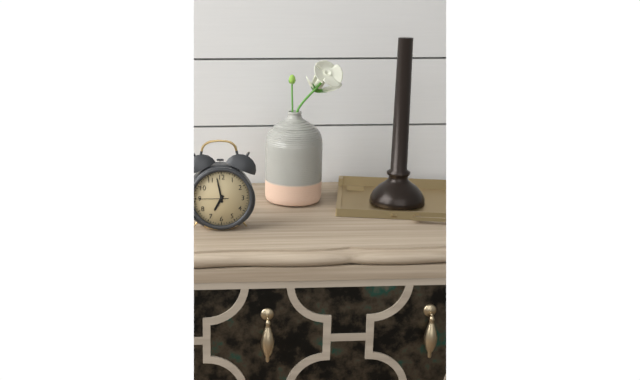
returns 6,58
